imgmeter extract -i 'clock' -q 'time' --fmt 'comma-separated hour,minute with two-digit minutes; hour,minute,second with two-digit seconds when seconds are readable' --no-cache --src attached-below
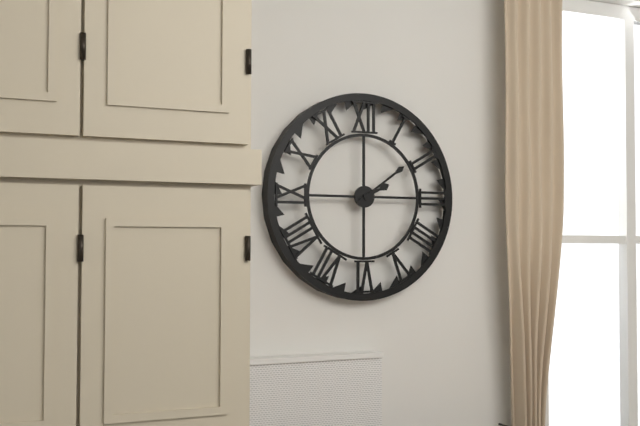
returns 2,09
